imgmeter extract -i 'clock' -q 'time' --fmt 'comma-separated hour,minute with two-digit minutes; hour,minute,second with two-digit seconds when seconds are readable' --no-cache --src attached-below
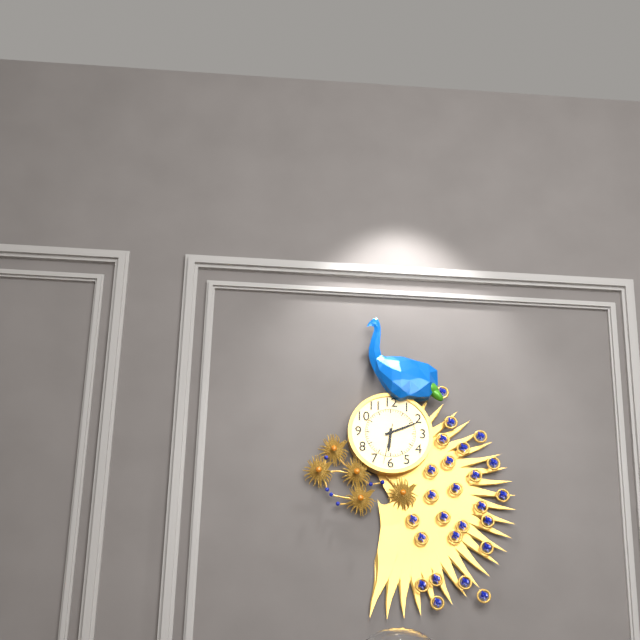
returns 6,11
